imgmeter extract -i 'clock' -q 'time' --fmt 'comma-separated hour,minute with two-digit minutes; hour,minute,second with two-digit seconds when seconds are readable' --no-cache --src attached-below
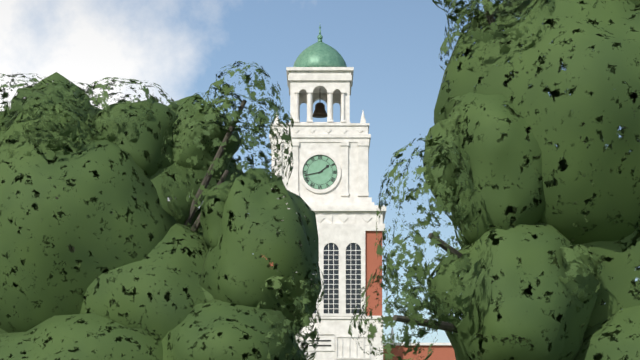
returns 1,43
